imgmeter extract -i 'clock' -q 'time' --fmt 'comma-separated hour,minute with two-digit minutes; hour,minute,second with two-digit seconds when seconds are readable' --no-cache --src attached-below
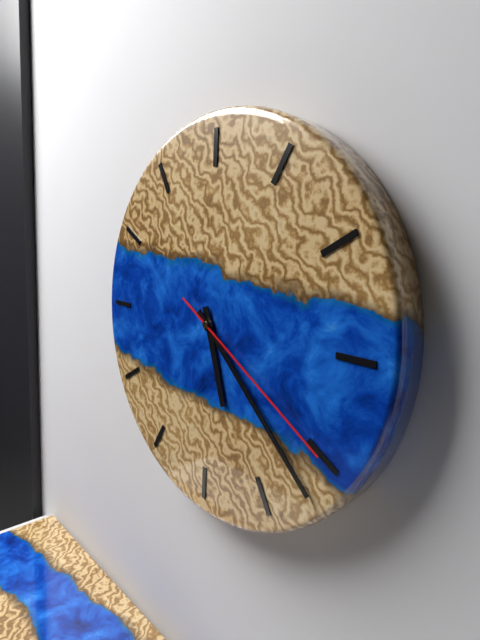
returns 5,22,20
